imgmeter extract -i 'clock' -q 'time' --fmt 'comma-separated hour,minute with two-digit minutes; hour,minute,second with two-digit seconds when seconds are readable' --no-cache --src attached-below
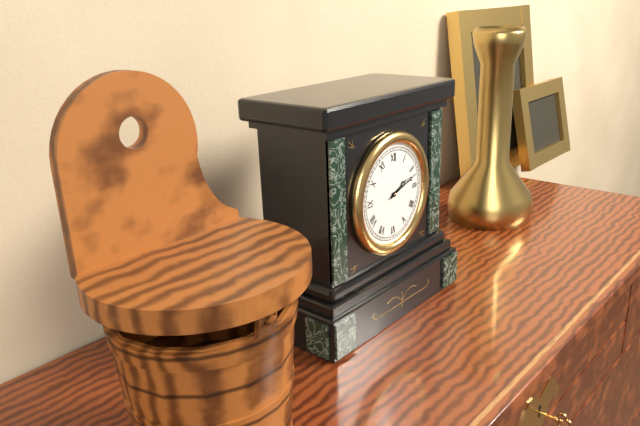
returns 2,12
